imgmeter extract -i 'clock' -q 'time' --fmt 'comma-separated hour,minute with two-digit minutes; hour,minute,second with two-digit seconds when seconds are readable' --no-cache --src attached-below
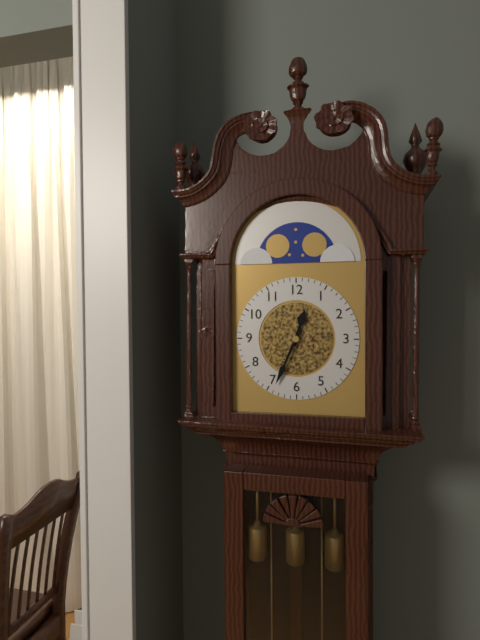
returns 12,34
